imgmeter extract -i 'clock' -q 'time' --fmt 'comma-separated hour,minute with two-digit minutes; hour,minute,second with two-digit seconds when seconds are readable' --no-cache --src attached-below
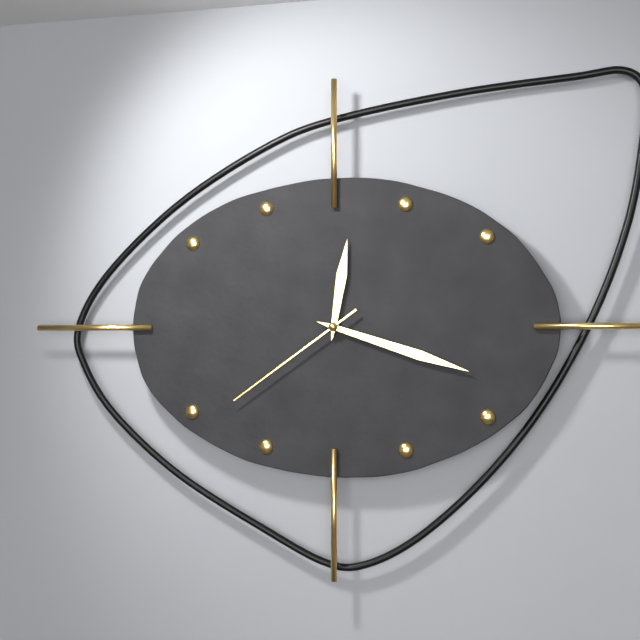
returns 12,18,39
